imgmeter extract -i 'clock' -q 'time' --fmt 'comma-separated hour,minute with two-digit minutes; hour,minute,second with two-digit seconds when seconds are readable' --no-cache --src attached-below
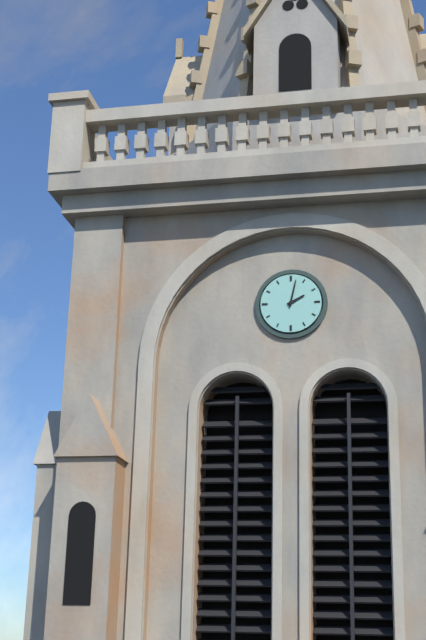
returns 2,02
